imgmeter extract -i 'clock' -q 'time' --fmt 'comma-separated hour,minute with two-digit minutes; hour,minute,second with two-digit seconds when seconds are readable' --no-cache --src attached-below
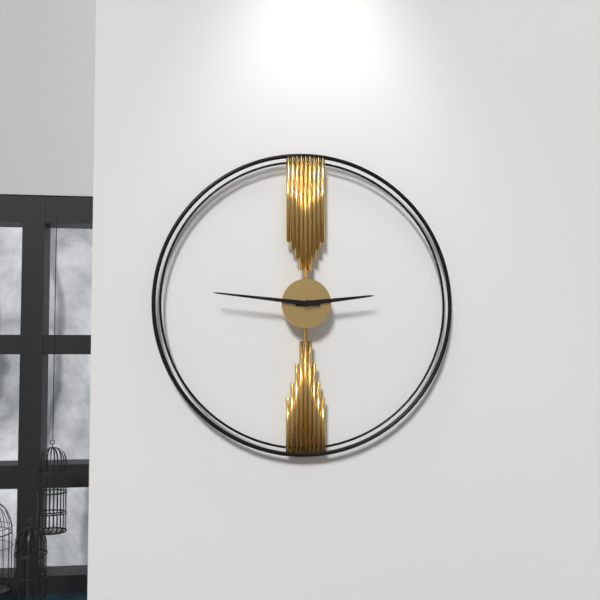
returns 2,46
